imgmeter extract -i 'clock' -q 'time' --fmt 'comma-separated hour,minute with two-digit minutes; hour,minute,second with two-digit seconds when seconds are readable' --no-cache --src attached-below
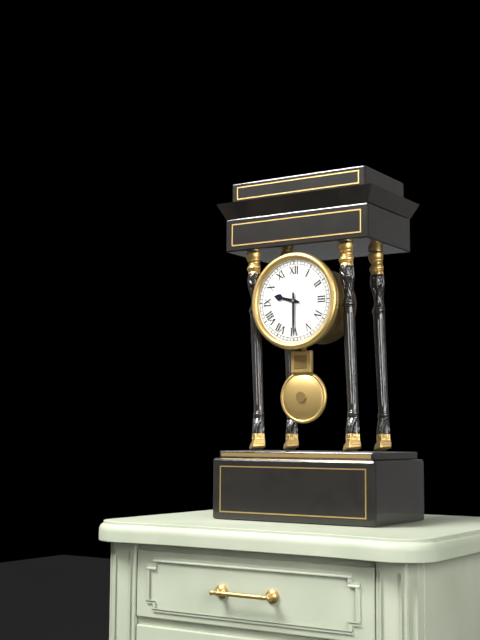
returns 9,30
